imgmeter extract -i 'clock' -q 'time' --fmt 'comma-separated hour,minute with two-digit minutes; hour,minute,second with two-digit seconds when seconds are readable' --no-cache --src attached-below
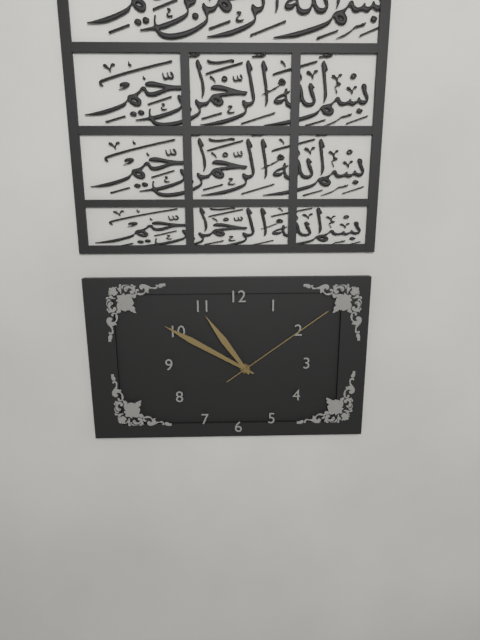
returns 10,50,09
